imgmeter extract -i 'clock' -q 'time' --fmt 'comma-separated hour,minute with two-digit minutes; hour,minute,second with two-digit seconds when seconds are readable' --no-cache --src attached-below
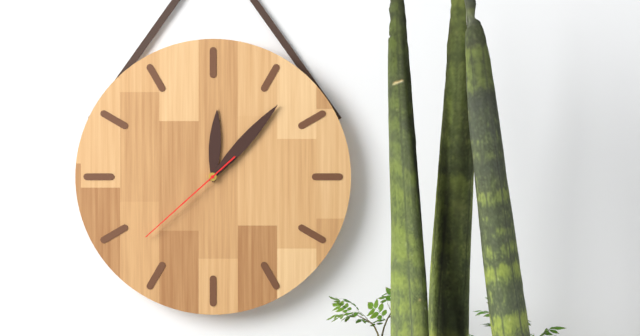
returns 12,07,38
